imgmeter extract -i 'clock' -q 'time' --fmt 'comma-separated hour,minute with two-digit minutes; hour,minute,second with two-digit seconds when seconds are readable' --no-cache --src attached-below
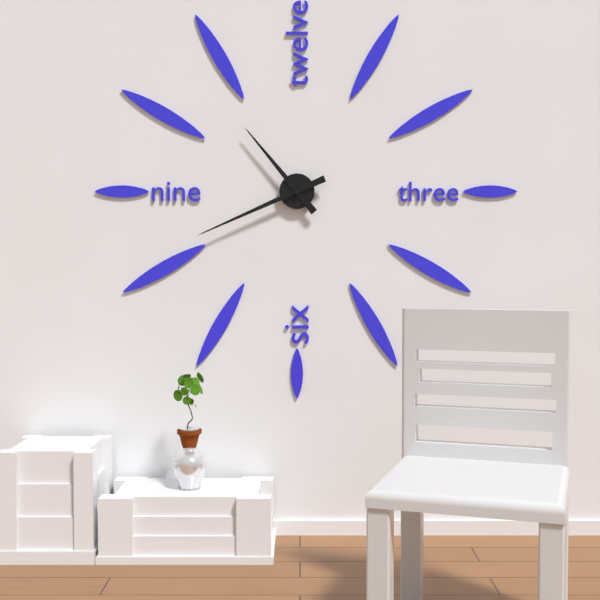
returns 10,41
